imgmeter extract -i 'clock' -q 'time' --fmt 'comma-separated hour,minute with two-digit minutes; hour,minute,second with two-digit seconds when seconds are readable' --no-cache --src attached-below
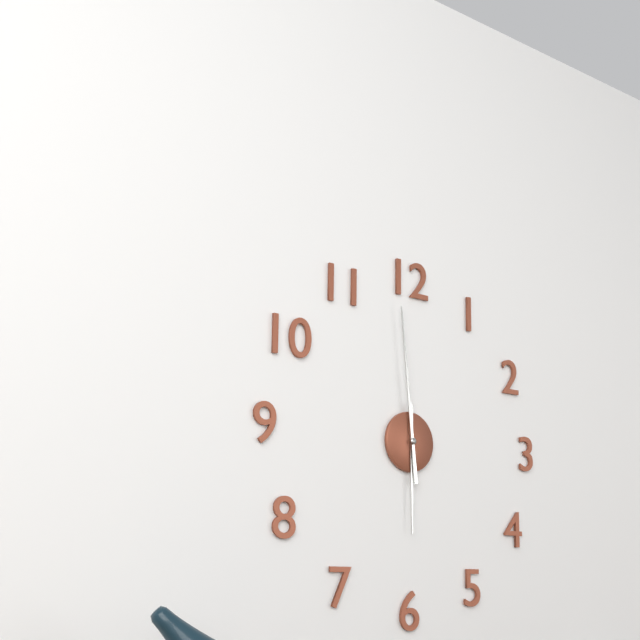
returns 5,59
